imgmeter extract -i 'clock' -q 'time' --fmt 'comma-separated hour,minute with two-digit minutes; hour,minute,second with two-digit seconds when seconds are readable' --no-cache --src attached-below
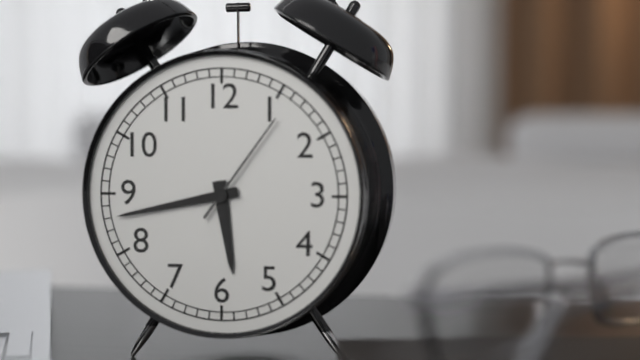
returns 5,43,06
